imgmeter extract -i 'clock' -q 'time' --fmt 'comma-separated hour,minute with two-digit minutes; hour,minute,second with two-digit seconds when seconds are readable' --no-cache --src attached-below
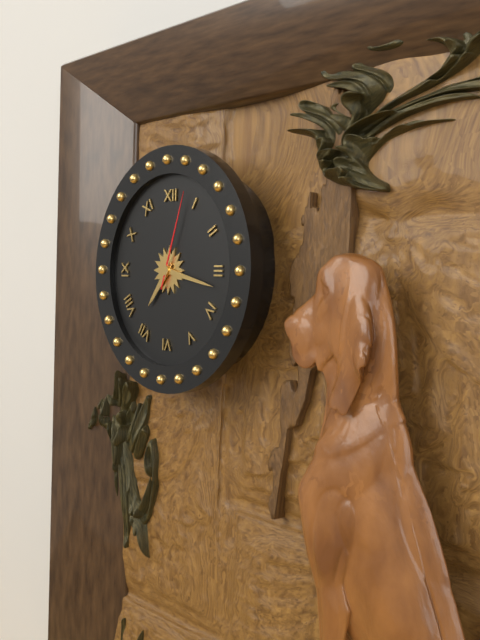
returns 7,17,03
